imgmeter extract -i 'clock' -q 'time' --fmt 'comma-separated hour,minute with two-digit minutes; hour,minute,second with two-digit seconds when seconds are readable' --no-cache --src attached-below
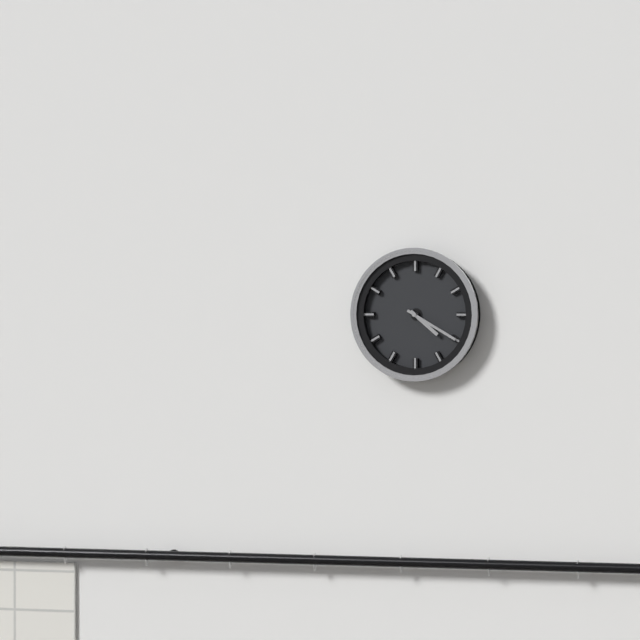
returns 4,20
